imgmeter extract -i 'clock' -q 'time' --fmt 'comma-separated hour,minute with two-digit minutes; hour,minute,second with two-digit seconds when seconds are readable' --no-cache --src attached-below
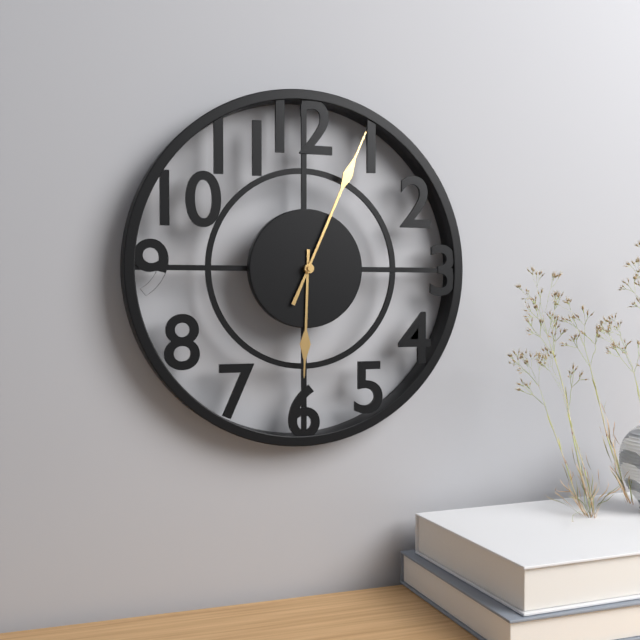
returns 6,04
